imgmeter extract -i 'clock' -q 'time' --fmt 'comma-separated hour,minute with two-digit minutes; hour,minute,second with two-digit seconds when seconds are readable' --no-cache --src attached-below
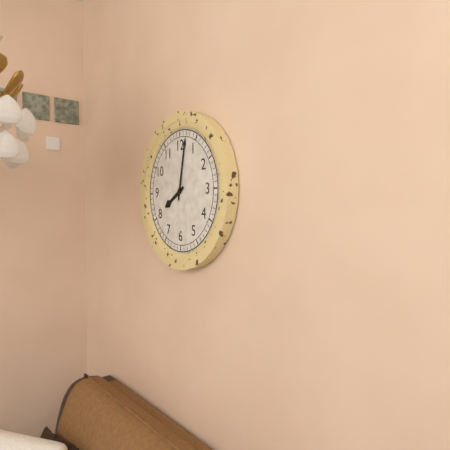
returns 8,02
